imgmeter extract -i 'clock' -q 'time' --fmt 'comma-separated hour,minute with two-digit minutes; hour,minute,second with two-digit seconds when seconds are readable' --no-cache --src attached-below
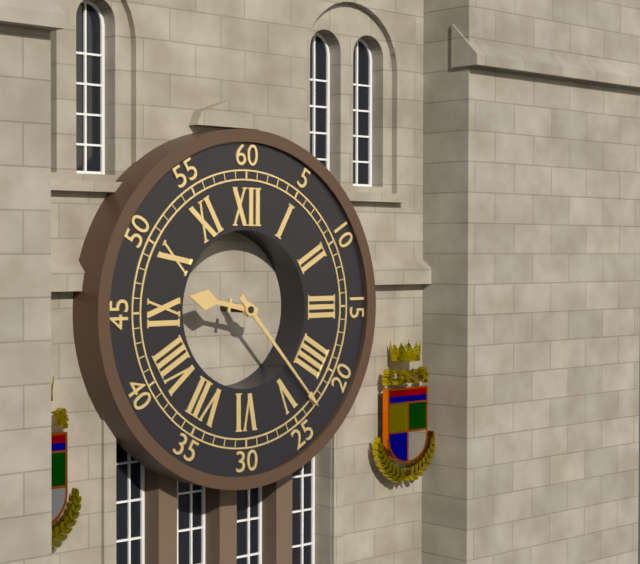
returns 9,23
